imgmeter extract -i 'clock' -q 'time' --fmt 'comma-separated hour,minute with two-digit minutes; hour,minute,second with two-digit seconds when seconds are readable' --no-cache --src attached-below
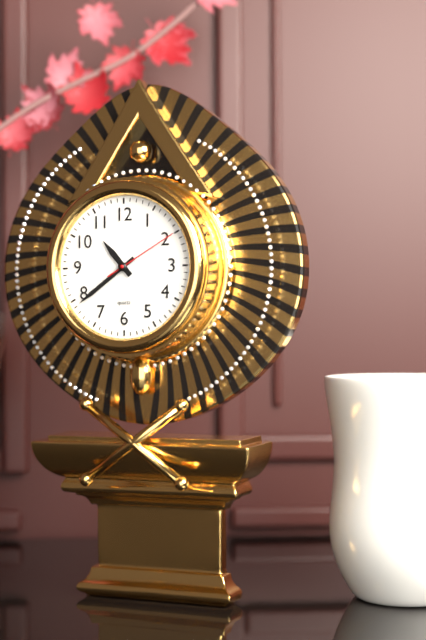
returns 10,39,10
